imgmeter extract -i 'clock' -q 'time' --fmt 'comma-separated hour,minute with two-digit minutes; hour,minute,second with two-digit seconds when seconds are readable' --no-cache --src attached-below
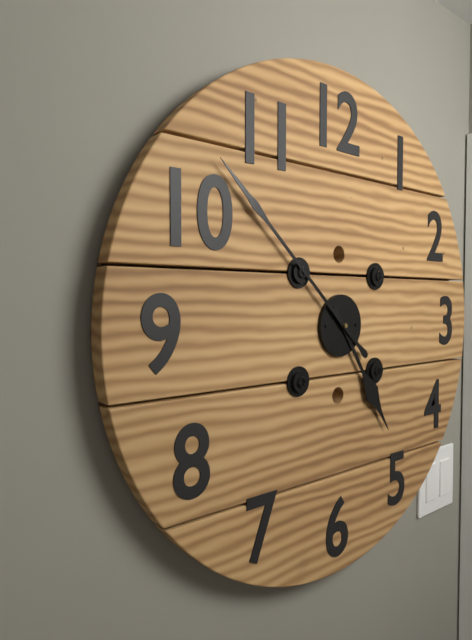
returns 4,52
